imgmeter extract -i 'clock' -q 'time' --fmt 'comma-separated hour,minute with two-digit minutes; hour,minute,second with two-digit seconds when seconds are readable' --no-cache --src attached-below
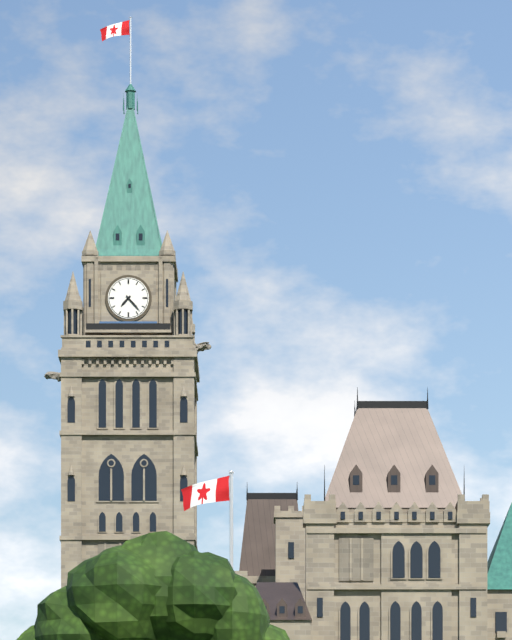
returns 7,23
